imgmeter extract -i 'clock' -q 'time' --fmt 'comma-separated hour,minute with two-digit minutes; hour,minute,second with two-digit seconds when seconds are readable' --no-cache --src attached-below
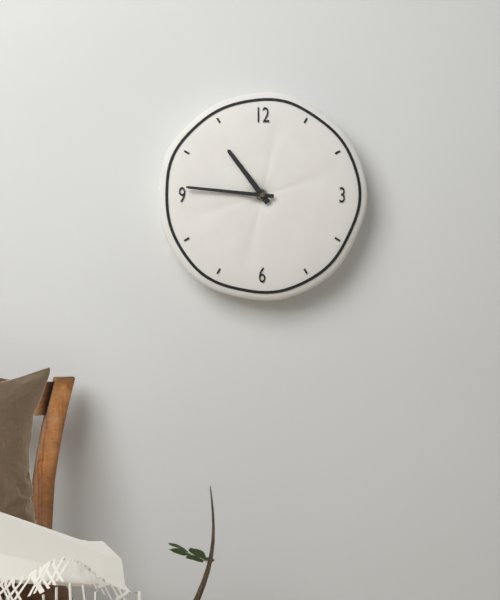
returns 10,46
